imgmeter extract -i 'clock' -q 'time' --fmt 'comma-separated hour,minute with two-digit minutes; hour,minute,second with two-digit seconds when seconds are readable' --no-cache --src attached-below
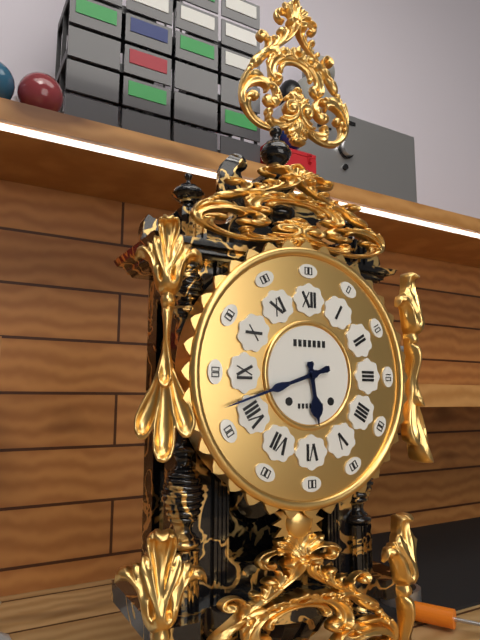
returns 5,42
